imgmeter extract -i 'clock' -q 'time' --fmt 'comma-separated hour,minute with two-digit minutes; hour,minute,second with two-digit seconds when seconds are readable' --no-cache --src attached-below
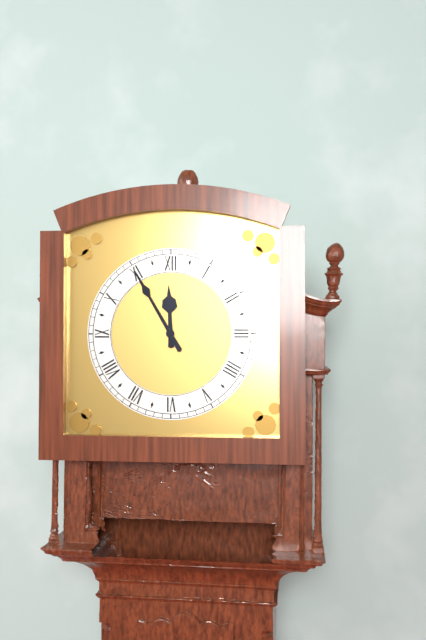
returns 11,55
